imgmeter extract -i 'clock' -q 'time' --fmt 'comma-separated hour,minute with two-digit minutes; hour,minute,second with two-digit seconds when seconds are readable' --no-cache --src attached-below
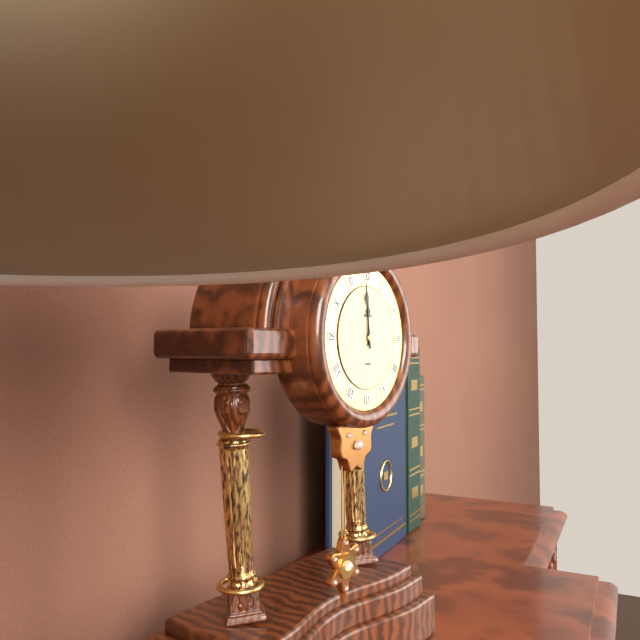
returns 11,59
